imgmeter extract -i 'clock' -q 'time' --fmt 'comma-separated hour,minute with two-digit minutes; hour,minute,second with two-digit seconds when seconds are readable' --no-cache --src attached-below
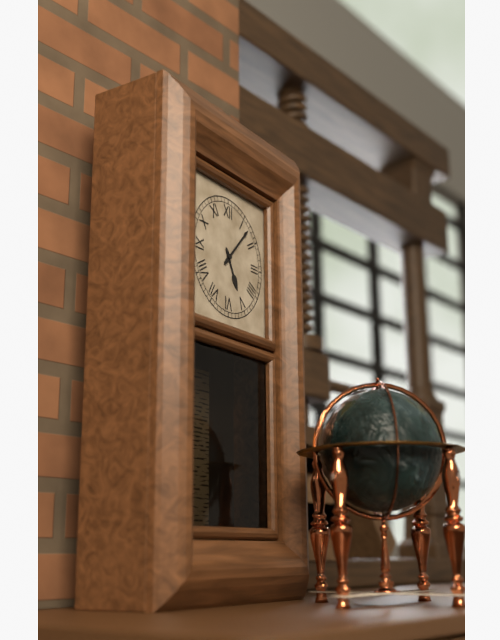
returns 5,07
